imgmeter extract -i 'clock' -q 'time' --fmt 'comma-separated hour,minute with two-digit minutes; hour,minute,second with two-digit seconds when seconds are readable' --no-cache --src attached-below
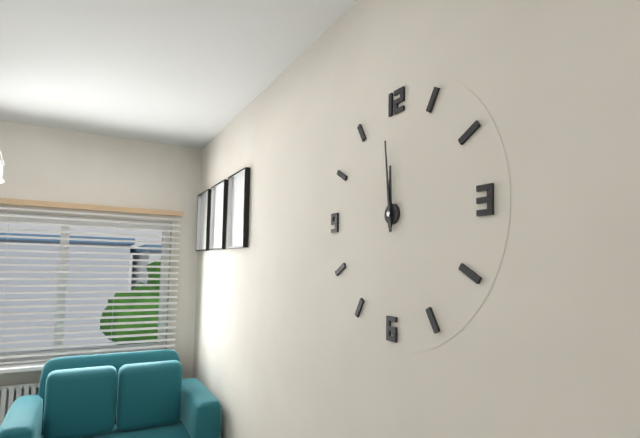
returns 11,59
